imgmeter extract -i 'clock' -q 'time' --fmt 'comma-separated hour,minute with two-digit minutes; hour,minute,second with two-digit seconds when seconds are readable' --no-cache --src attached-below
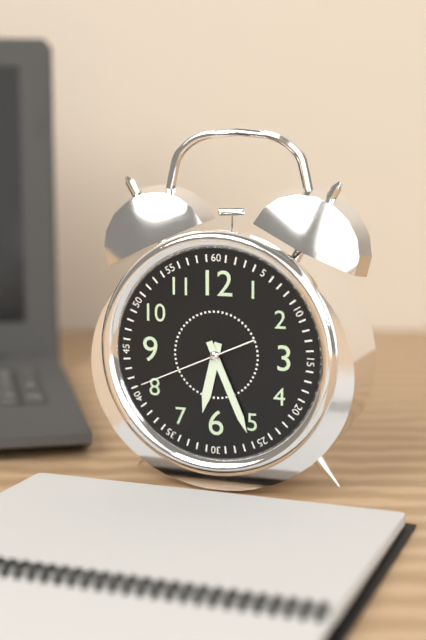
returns 6,26,41
